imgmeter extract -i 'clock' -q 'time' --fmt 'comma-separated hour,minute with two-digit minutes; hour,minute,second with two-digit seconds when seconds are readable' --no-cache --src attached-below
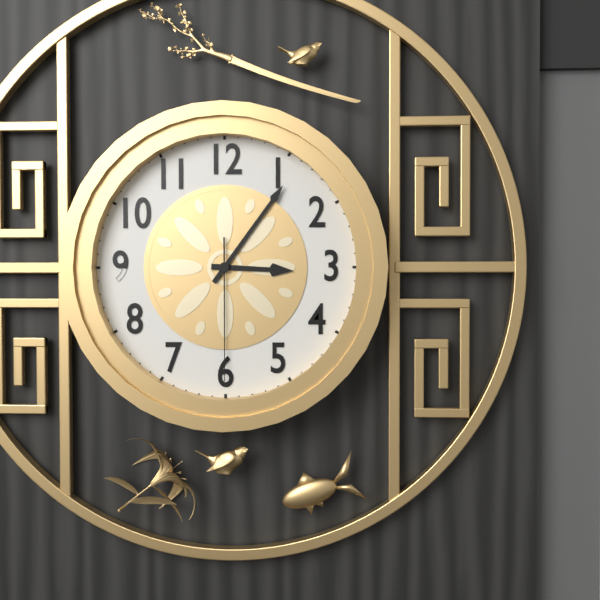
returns 3,06,30
